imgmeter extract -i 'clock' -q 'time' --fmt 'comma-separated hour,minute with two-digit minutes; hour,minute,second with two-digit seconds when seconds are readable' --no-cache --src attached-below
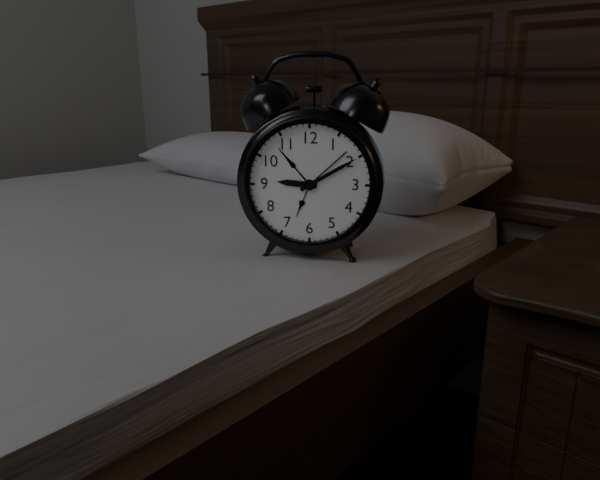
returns 9,10
